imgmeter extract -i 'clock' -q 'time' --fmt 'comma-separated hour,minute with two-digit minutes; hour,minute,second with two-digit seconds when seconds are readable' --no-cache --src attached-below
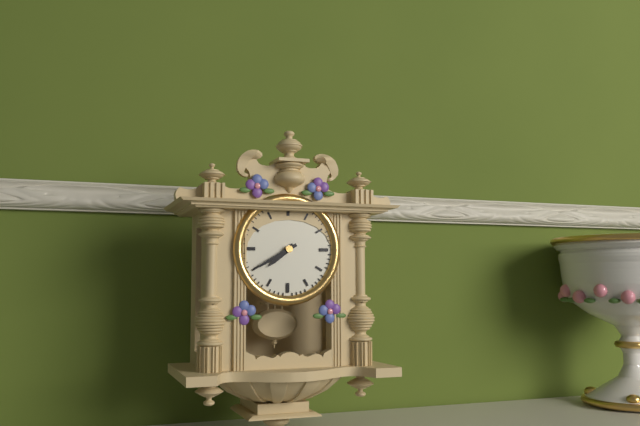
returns 7,40
